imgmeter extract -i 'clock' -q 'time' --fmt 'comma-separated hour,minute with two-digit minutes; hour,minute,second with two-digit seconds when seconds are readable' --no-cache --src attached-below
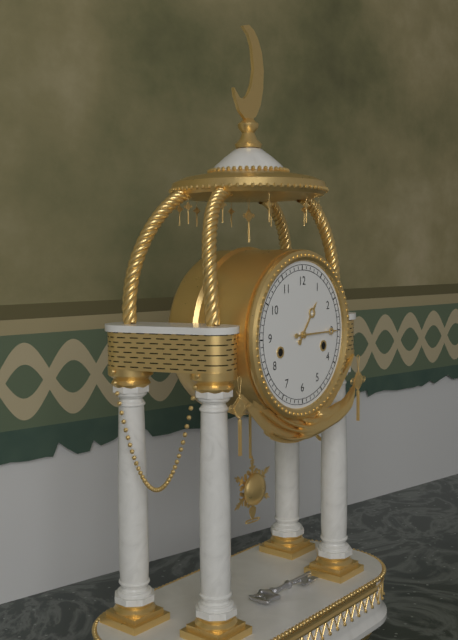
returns 1,15
